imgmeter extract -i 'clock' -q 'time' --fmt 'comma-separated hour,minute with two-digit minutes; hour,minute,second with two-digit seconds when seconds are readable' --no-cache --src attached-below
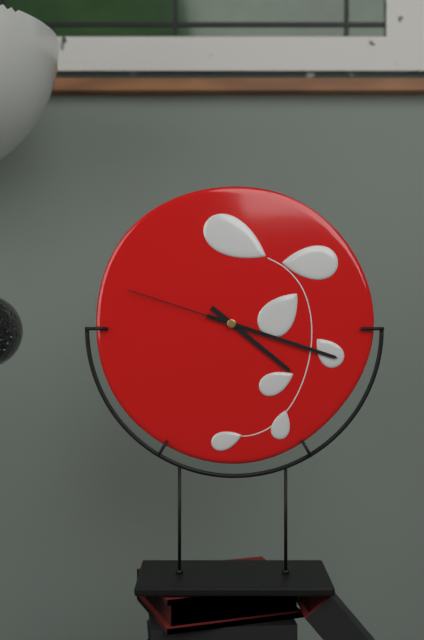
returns 4,18,48
